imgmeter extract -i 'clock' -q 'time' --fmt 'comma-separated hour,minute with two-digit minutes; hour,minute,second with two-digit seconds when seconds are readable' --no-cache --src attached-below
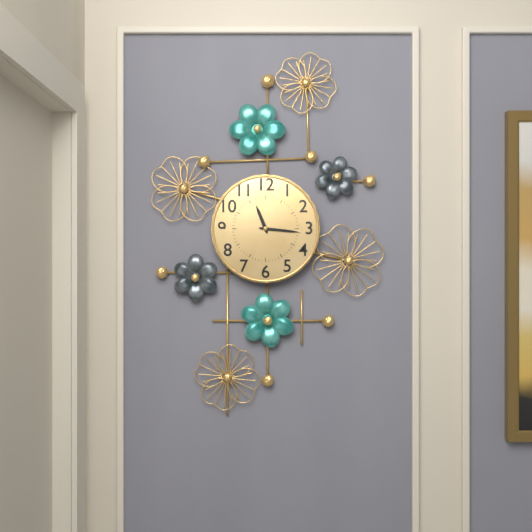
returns 11,16
